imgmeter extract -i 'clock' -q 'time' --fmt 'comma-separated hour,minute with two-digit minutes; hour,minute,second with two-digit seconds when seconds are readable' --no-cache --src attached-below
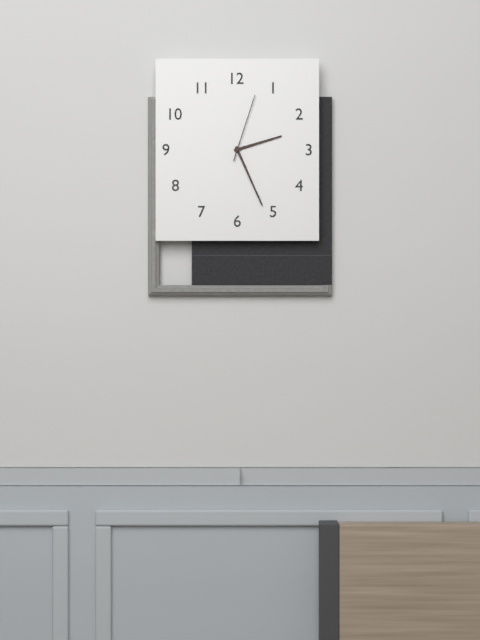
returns 2,26,03
